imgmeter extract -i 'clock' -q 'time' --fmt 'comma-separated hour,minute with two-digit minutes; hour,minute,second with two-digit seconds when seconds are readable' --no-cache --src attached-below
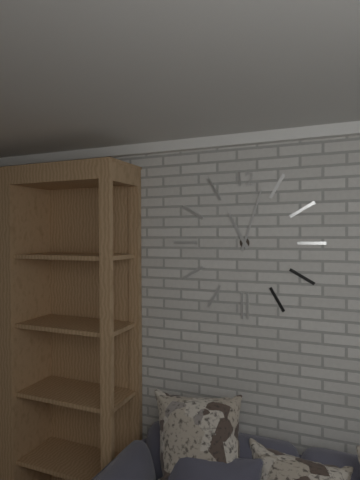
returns 11,03
